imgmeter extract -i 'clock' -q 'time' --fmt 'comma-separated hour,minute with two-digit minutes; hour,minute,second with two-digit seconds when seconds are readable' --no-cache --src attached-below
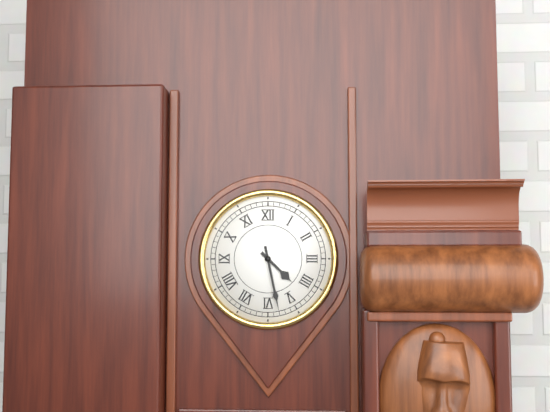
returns 4,28
